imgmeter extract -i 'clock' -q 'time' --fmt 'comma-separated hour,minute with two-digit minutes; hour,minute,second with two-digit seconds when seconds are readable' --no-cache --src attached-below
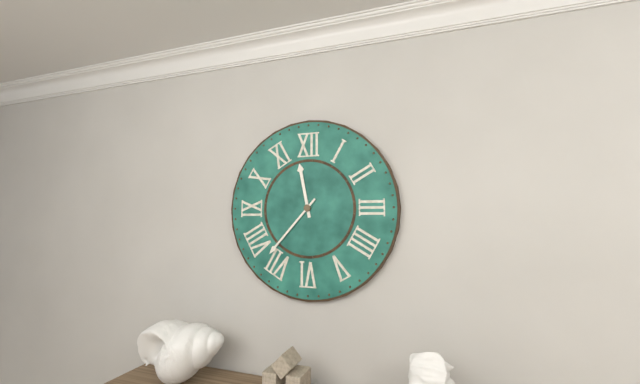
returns 11,37
